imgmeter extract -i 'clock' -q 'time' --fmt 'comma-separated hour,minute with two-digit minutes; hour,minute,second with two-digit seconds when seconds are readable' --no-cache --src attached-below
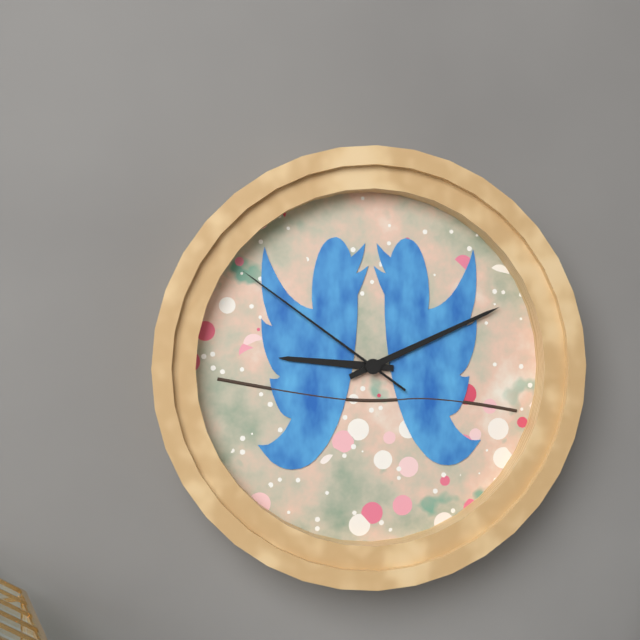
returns 9,11,51
